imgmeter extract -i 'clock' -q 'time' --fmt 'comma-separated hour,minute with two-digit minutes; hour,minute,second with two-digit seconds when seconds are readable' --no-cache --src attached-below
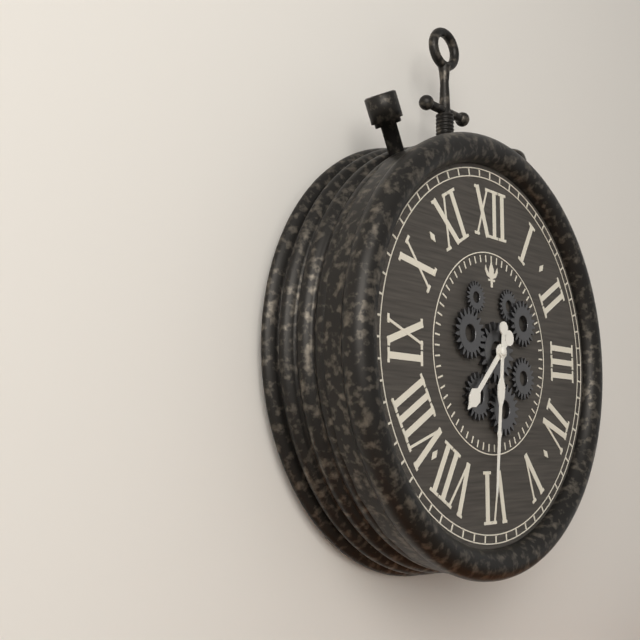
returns 7,31
